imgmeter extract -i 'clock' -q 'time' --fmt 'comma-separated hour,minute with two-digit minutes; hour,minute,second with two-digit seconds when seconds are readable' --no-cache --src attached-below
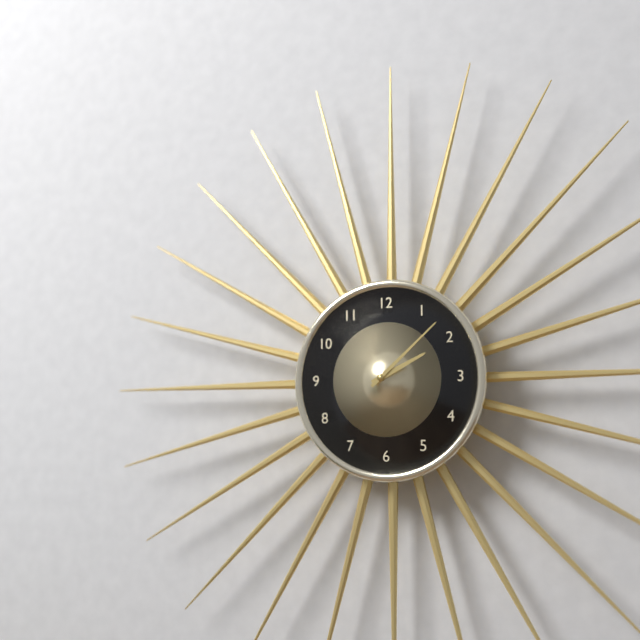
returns 2,08
